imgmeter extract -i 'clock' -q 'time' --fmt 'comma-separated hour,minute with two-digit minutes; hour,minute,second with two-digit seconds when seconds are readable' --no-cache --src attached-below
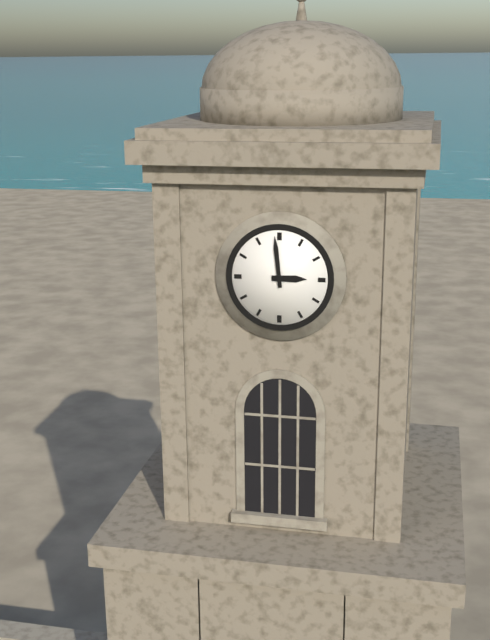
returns 2,59
